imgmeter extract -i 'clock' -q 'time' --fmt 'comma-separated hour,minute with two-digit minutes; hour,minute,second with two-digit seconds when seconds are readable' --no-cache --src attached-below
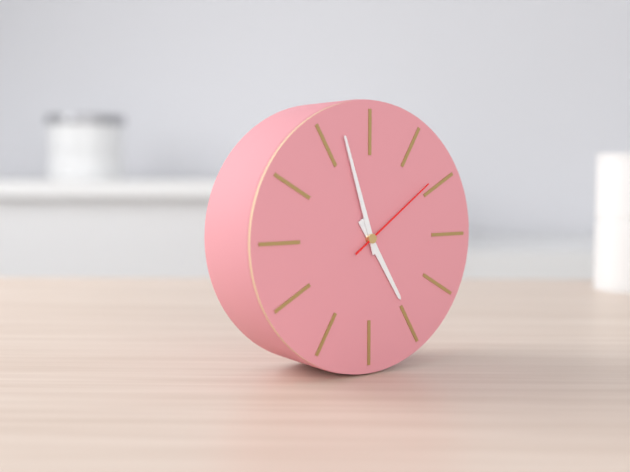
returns 4,57,09
